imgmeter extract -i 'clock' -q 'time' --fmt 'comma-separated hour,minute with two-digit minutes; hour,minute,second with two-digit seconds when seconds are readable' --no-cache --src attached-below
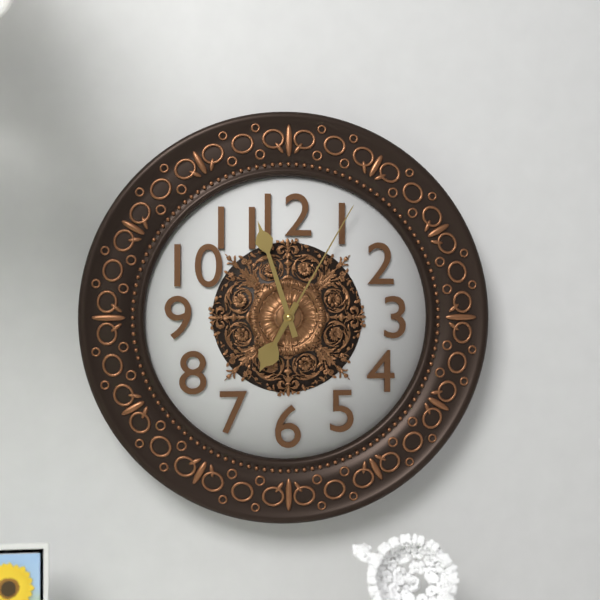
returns 6,57,05
